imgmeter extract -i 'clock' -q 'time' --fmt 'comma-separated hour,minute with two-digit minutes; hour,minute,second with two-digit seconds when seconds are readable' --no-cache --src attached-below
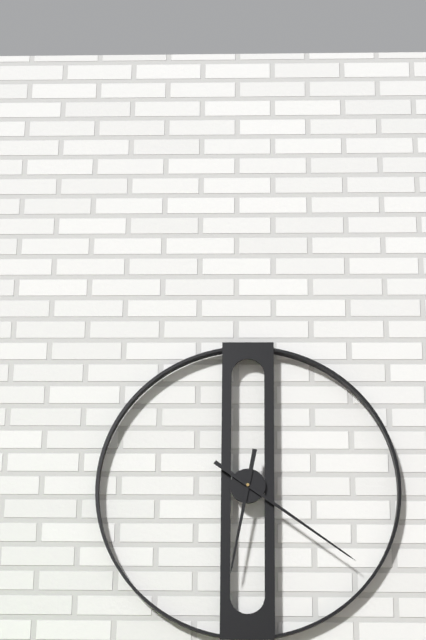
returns 6,21
